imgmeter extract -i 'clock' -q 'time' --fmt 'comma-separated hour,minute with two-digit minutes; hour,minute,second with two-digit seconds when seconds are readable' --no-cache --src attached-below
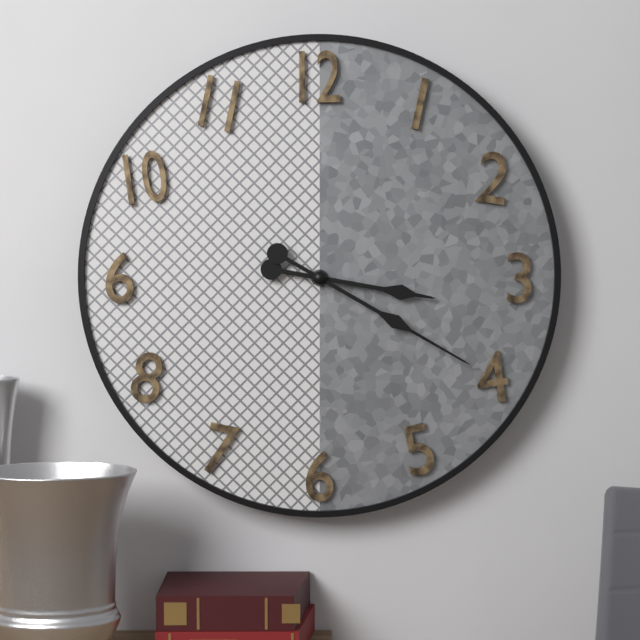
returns 3,20
